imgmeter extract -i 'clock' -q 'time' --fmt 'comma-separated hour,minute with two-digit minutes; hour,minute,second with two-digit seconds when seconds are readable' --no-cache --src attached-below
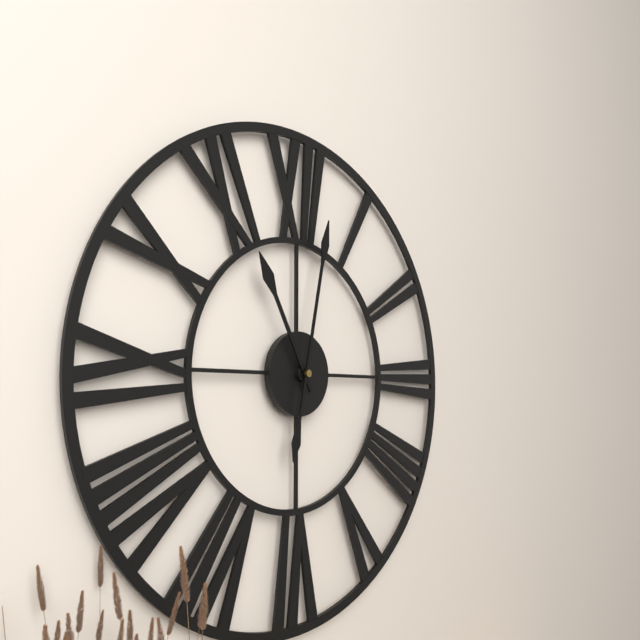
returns 11,02
